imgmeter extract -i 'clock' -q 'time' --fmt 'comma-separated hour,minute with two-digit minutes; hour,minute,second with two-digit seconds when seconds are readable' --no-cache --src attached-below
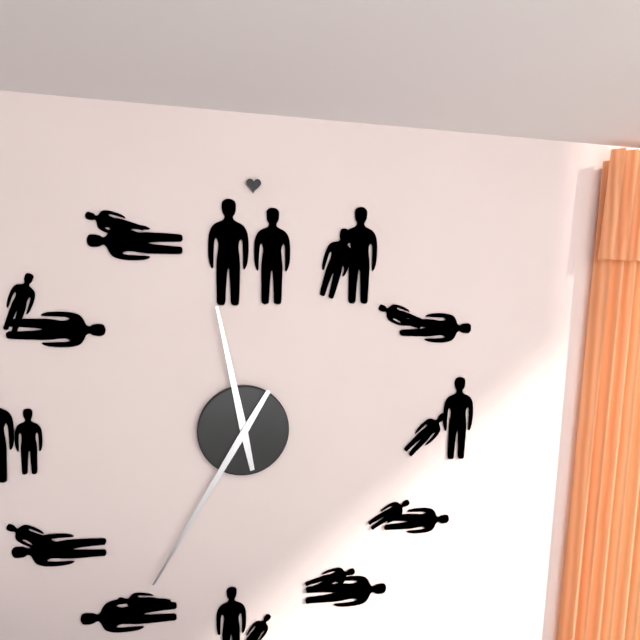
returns 11,35
